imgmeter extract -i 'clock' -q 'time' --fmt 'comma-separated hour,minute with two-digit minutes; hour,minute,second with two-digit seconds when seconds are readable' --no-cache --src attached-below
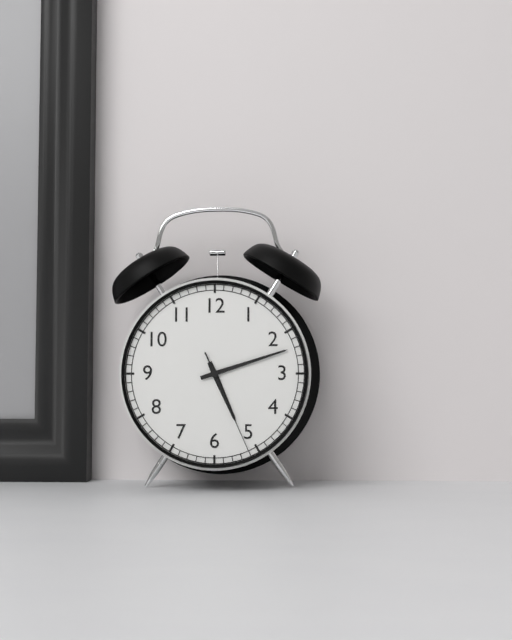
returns 5,12,26
